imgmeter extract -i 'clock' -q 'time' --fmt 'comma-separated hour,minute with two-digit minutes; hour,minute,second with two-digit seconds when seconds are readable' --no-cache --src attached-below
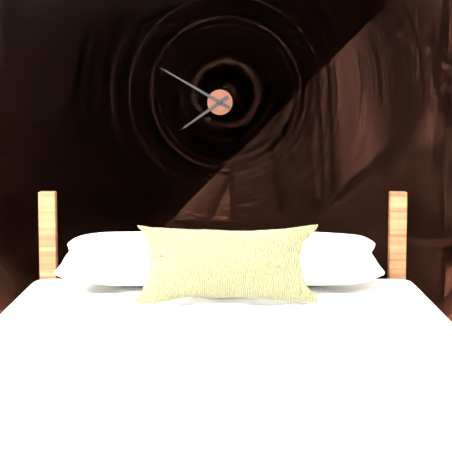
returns 7,50
